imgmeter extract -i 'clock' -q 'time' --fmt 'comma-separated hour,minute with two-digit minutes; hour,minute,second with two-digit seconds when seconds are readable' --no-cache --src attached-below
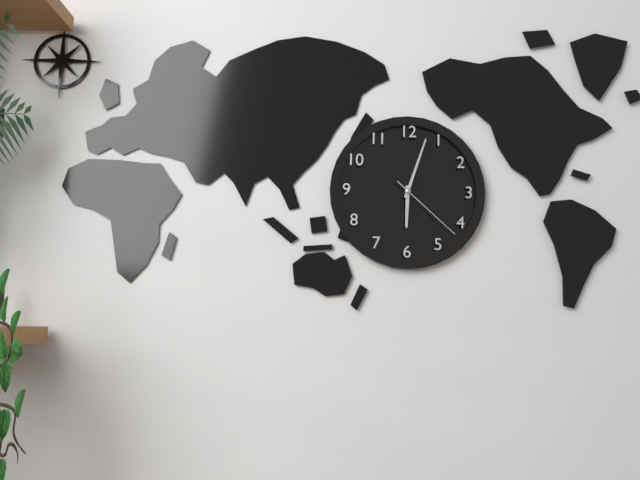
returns 6,03,22
